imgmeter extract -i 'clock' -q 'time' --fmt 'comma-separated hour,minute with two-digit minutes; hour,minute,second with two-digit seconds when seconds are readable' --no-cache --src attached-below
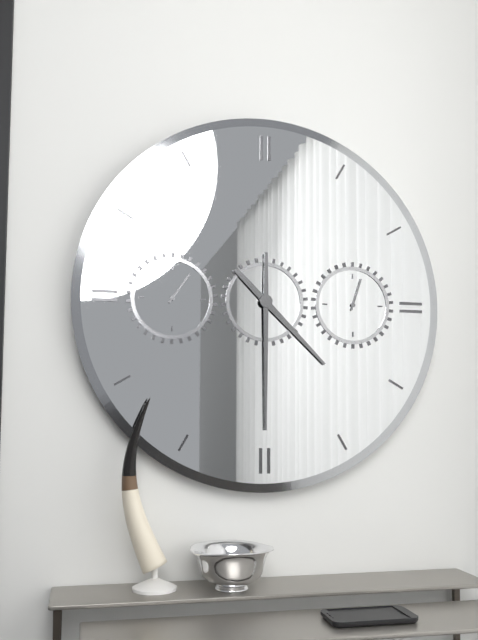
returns 4,30
